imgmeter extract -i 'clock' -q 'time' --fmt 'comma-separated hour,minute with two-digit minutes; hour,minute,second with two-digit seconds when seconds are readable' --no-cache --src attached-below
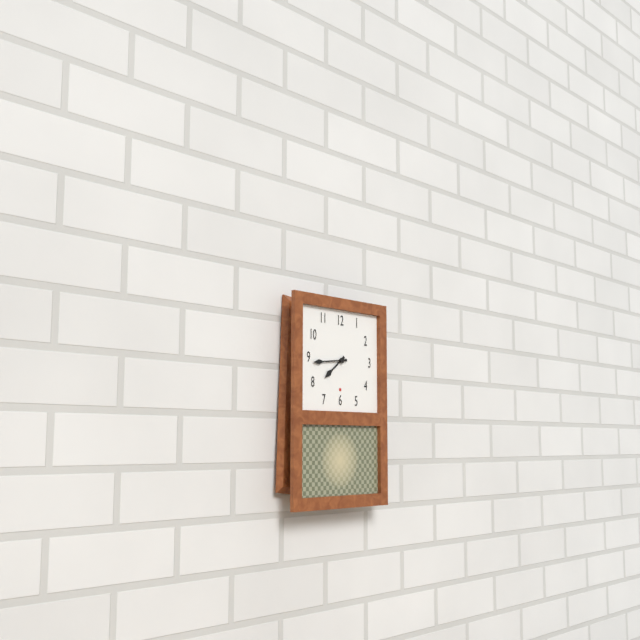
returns 7,44
